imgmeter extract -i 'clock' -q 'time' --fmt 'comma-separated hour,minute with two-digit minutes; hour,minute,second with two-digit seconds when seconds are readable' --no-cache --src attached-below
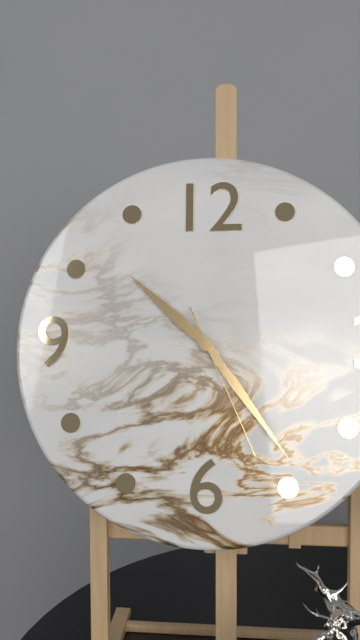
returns 10,24,26
